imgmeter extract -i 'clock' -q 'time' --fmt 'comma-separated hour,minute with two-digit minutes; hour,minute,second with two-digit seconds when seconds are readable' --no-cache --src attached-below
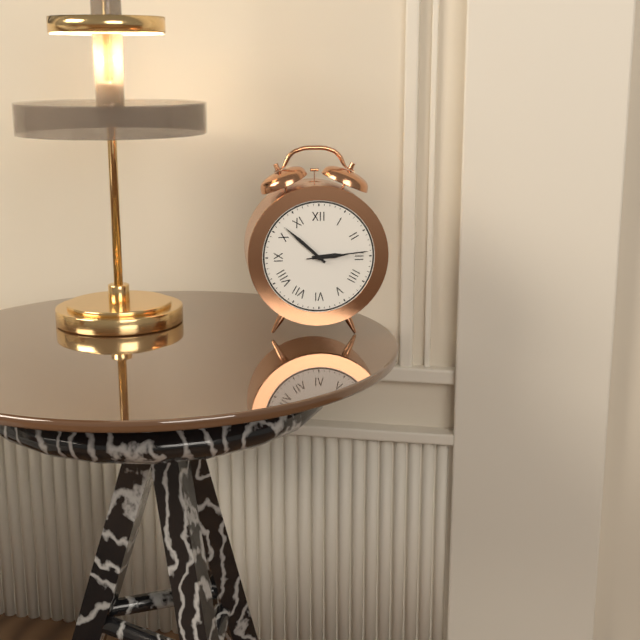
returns 2,52,14
